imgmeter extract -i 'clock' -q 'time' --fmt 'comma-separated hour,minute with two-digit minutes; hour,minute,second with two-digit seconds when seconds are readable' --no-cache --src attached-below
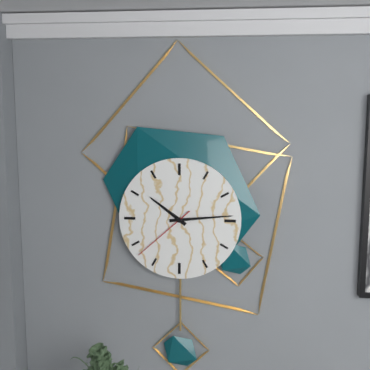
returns 10,14,38
